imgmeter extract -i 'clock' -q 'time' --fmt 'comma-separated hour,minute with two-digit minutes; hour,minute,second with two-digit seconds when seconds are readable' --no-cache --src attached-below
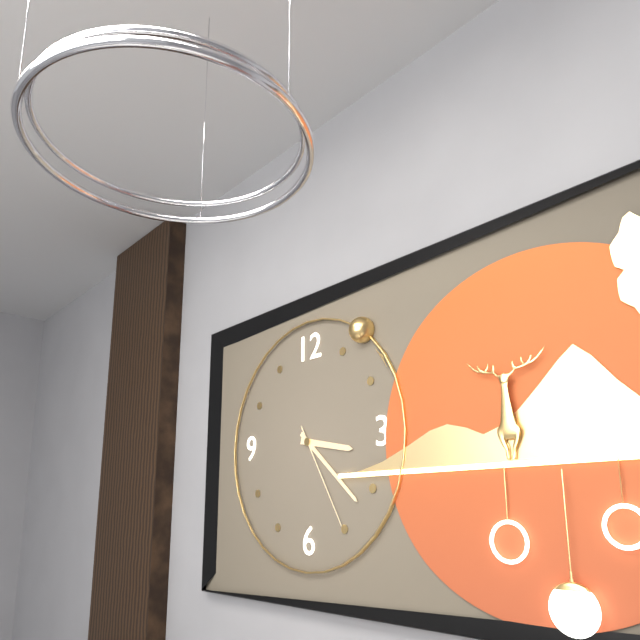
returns 3,22,25
